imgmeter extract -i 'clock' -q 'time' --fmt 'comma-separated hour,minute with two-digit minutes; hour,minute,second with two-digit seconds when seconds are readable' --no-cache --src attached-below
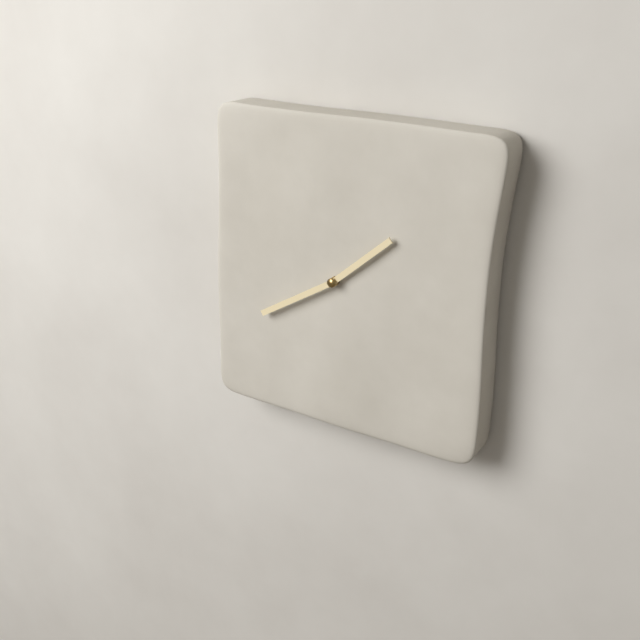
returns 1,40
